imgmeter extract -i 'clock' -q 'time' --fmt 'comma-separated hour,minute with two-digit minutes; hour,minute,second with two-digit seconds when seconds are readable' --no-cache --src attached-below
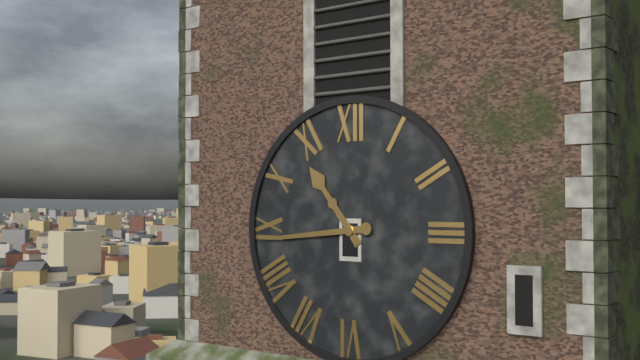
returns 10,44
